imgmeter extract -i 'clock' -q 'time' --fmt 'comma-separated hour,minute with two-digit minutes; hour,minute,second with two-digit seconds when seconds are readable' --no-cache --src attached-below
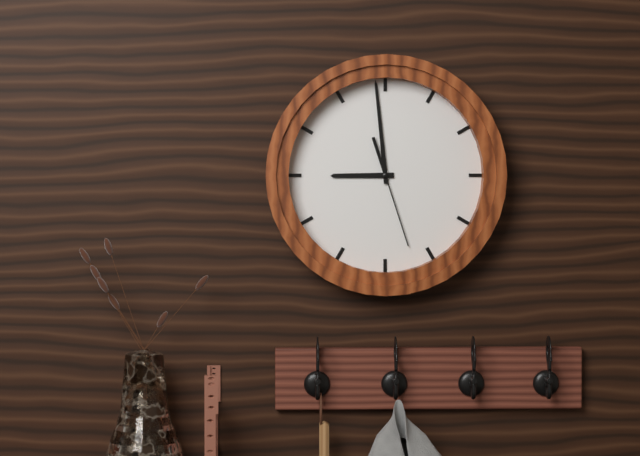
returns 8,59,27
